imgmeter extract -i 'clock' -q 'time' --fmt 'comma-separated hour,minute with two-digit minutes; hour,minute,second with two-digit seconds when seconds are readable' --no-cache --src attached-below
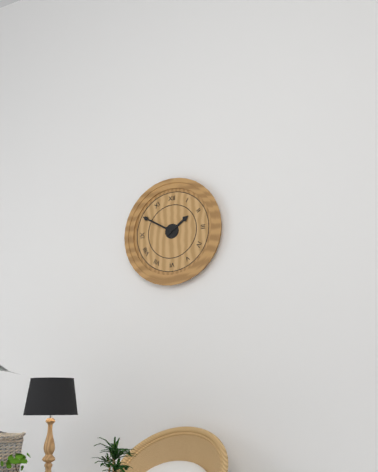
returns 1,50
